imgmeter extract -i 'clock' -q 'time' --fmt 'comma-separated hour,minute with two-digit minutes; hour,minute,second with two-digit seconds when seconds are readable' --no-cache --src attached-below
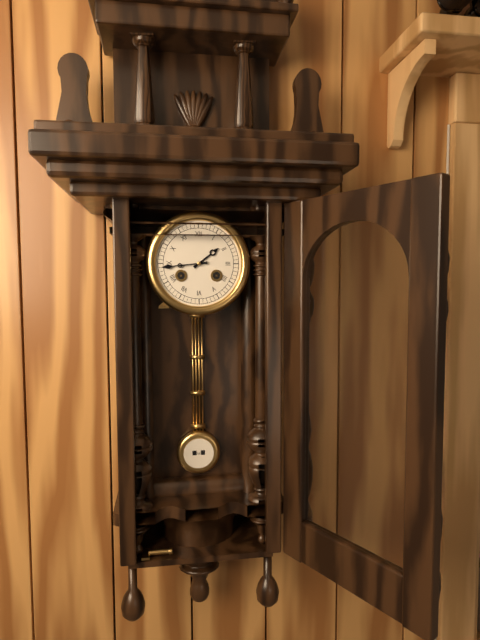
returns 1,44
